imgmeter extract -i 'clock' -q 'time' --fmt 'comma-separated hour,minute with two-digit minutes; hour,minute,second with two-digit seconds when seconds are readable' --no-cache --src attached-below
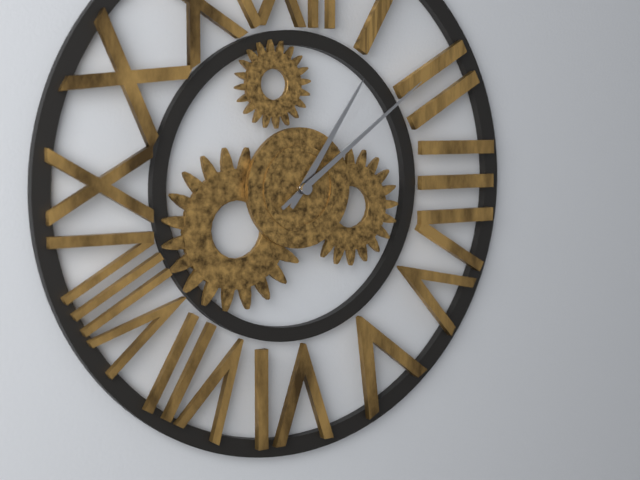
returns 1,09
